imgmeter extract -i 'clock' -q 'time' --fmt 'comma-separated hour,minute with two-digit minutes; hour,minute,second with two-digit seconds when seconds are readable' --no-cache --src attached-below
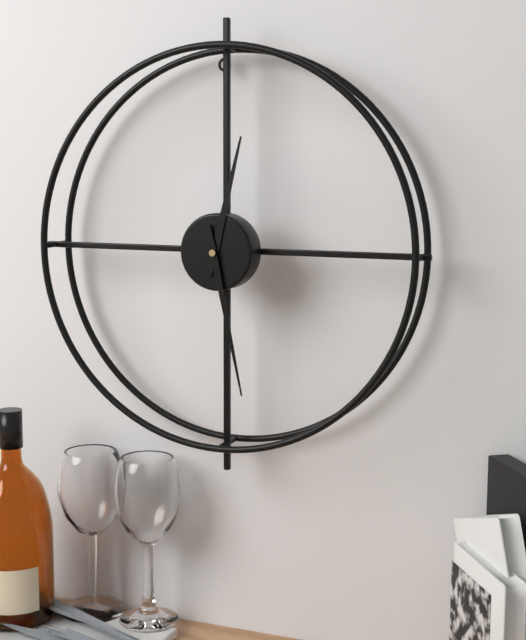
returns 12,28
